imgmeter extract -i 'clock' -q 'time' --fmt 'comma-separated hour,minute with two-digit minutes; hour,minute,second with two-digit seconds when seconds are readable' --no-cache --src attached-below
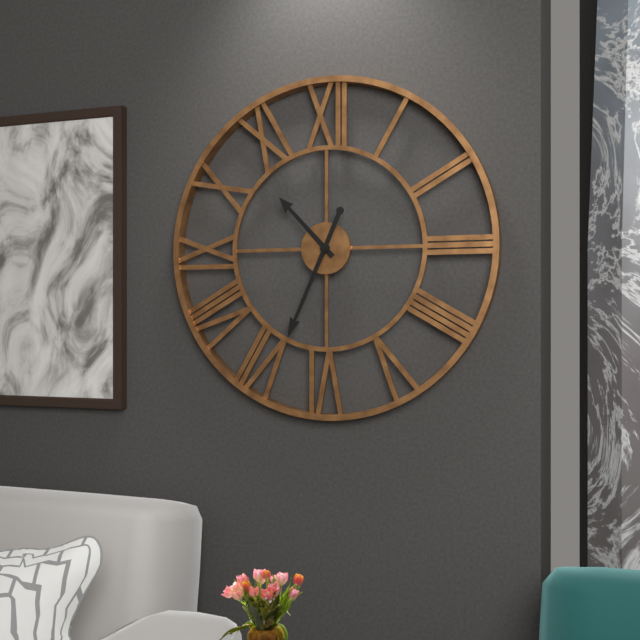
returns 10,34
